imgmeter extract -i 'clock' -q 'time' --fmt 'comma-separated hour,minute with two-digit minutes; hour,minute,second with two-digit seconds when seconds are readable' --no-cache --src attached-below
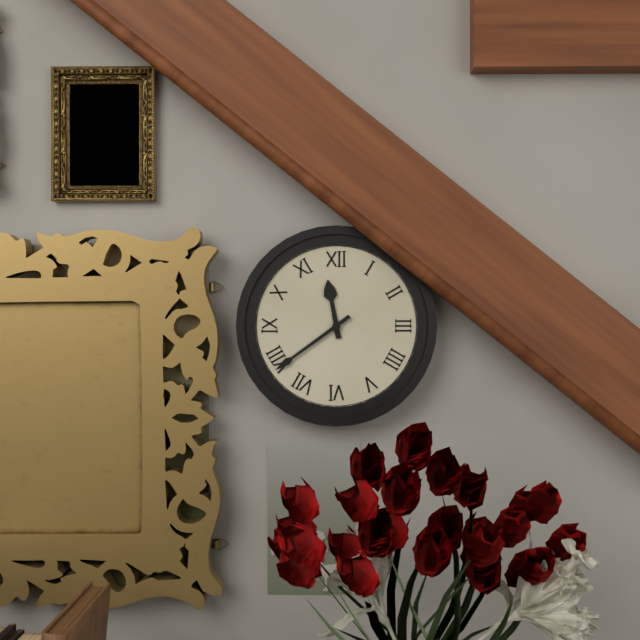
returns 11,39
